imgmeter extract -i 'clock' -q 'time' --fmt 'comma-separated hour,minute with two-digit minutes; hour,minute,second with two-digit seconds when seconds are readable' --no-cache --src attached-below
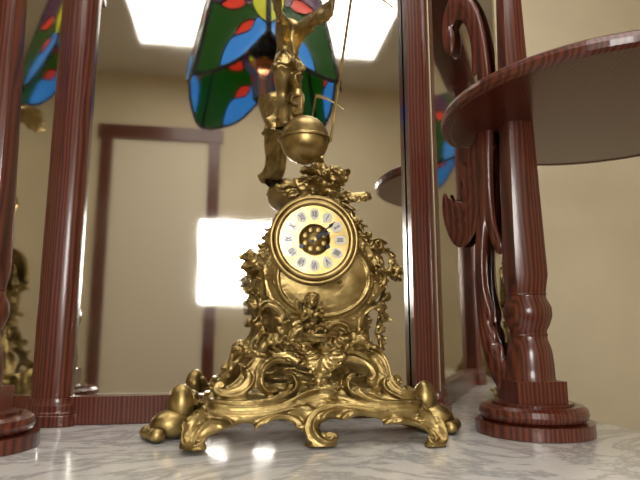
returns 2,08
